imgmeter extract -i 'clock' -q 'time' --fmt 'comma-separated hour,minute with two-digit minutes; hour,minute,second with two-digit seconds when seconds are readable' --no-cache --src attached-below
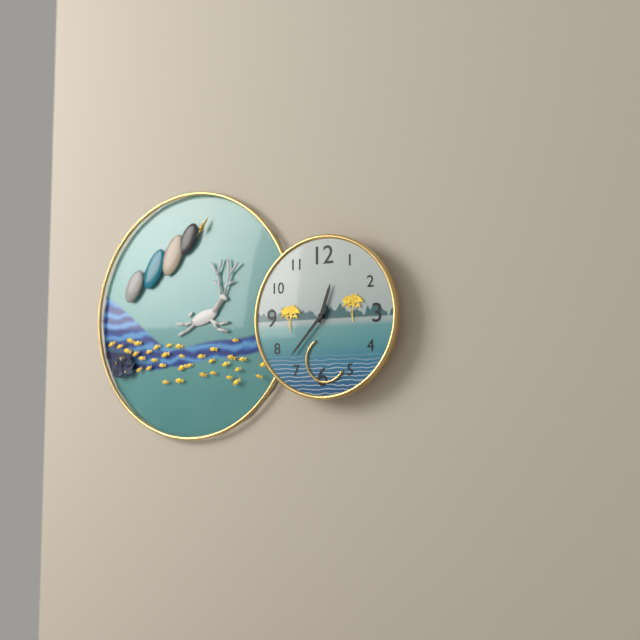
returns 12,37
